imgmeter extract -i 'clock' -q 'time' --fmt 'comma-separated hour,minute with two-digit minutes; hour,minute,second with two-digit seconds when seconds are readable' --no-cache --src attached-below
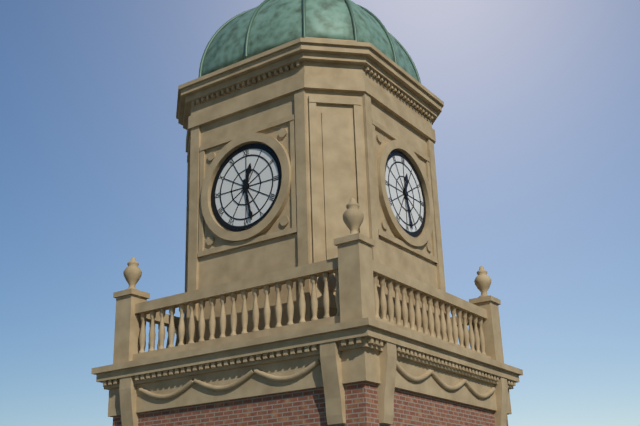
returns 12,28
